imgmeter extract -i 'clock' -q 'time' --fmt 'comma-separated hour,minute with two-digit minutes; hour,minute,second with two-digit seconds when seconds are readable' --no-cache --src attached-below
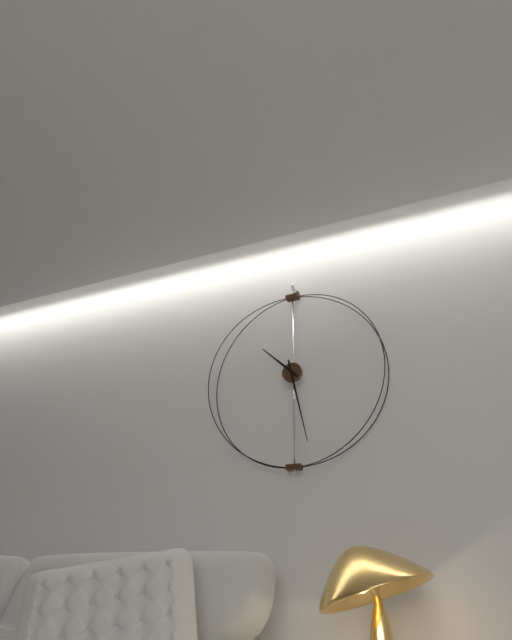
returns 10,28
